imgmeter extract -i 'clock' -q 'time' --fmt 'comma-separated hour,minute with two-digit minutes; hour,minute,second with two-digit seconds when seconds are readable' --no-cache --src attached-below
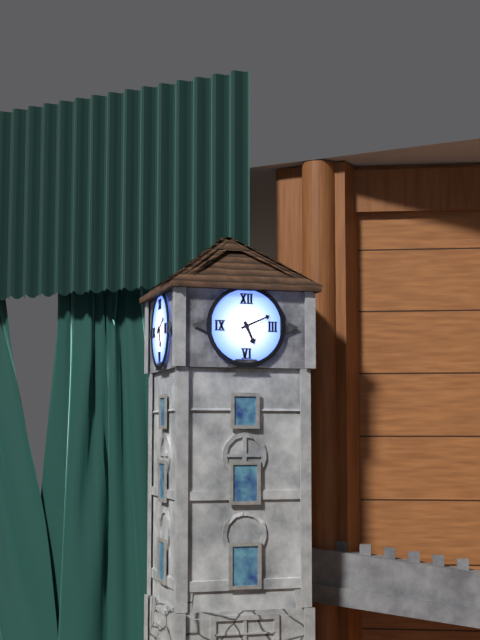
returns 5,11
